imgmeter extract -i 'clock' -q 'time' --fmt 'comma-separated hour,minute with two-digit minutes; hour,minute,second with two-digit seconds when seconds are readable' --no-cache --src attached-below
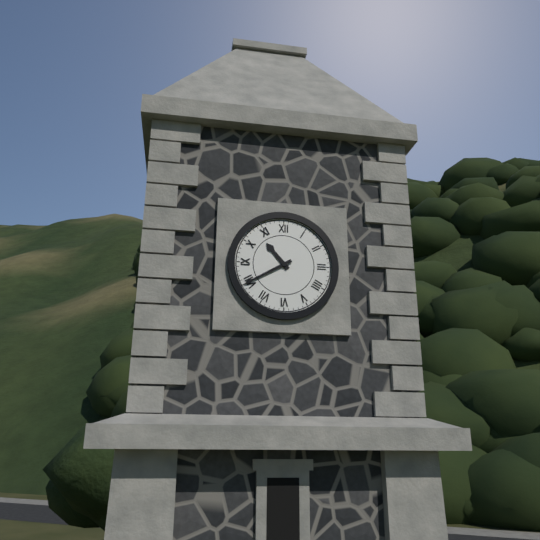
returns 10,40
